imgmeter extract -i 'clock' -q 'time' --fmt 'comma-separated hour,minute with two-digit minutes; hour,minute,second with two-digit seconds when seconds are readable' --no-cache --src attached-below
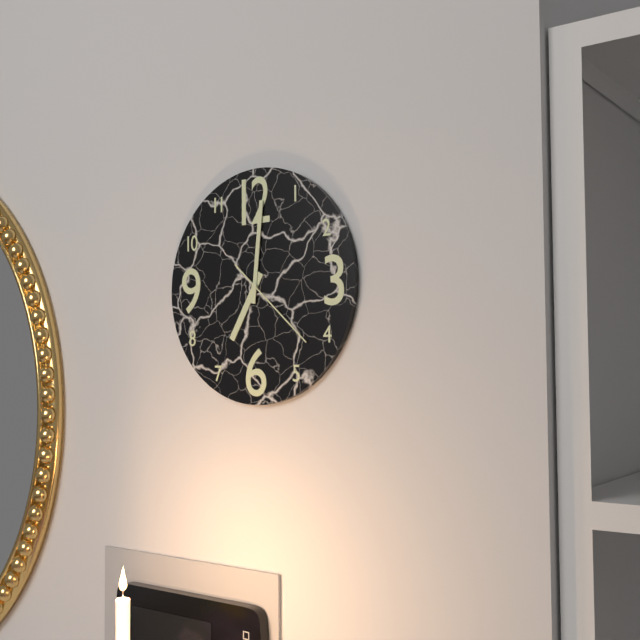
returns 7,01,22
